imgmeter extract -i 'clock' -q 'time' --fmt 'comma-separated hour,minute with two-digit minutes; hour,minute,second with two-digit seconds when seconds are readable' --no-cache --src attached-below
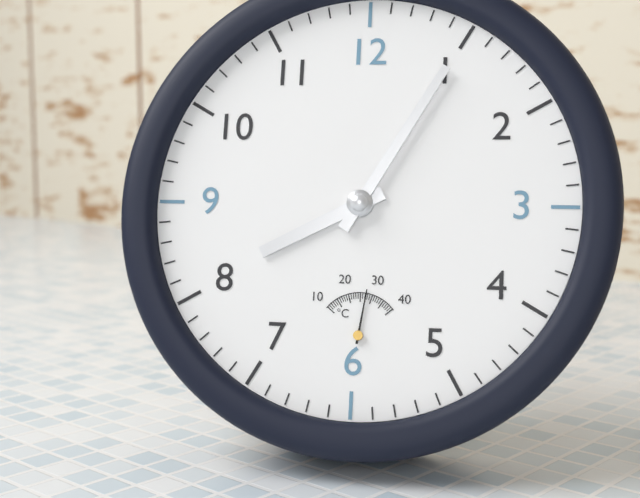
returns 8,05
